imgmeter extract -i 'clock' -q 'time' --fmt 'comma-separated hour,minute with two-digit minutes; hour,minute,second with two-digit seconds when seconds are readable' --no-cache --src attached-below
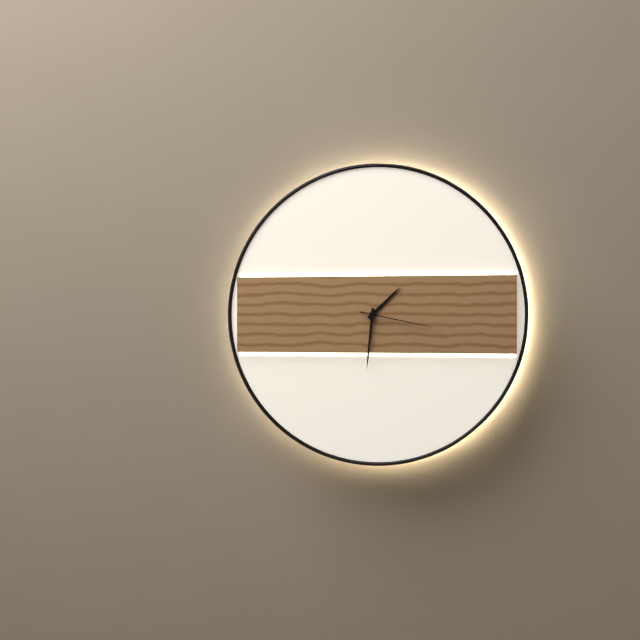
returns 1,31,17
